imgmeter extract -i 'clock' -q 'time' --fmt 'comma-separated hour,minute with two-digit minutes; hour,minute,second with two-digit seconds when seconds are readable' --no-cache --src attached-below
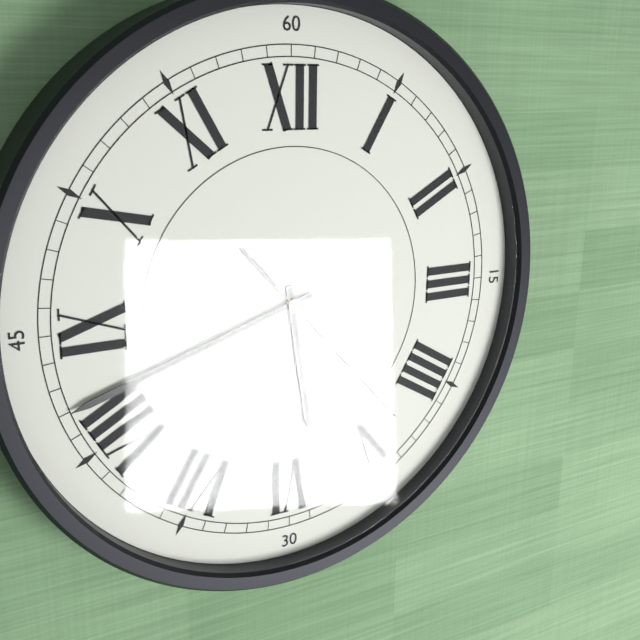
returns 5,42,23
